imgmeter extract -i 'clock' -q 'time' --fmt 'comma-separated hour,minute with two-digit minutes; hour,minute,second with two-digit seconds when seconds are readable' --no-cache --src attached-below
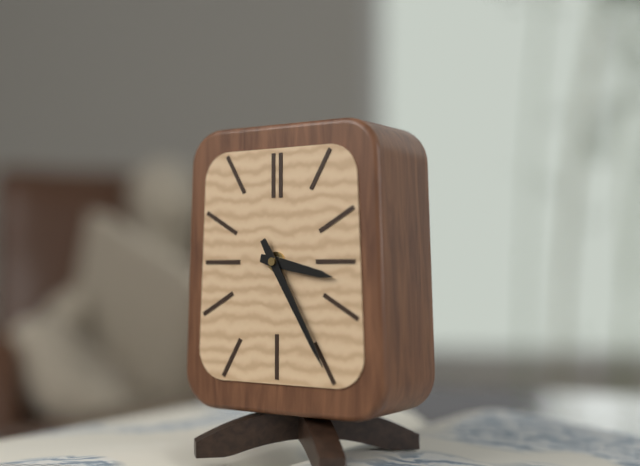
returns 3,25
